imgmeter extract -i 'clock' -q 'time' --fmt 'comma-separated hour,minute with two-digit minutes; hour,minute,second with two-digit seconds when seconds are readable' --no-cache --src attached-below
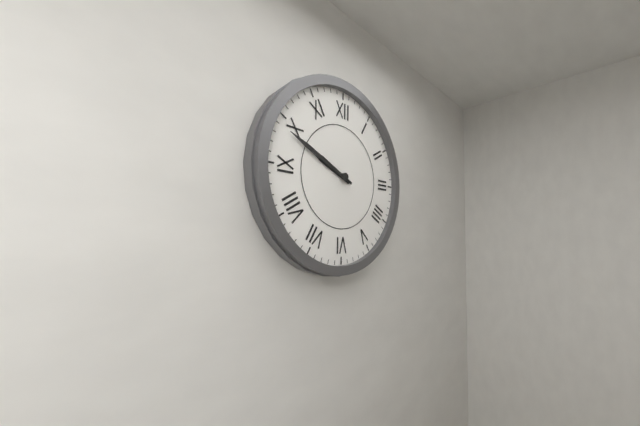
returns 9,49
